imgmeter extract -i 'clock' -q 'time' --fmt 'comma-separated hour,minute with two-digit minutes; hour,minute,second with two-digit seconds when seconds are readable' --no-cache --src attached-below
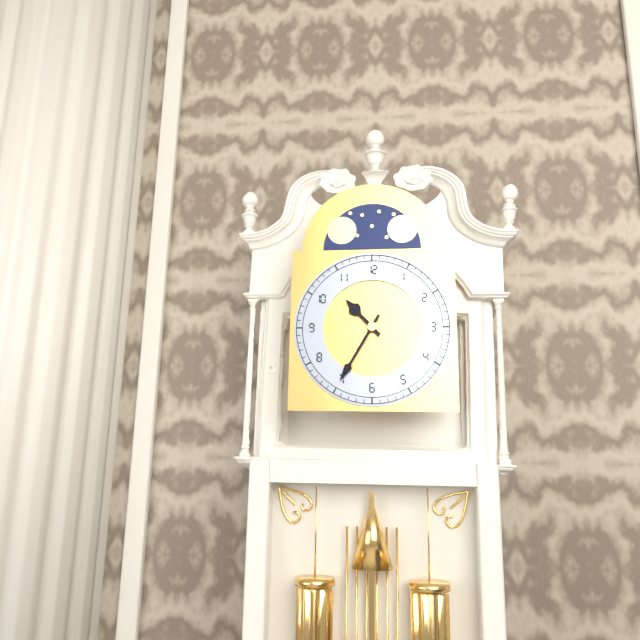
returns 10,35
